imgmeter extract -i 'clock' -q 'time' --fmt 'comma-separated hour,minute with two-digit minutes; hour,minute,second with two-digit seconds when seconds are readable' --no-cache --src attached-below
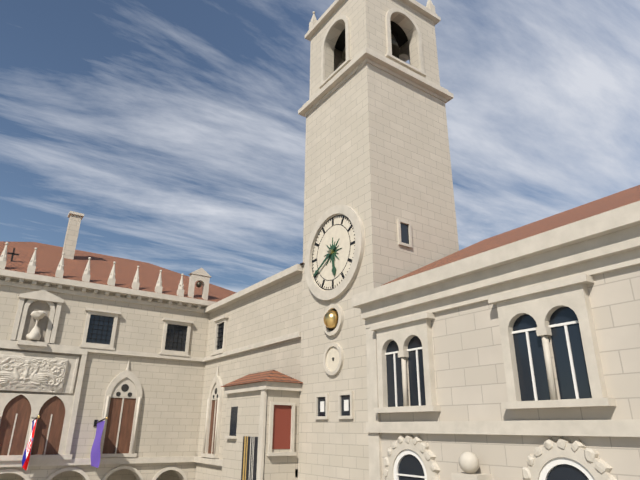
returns 5,40
